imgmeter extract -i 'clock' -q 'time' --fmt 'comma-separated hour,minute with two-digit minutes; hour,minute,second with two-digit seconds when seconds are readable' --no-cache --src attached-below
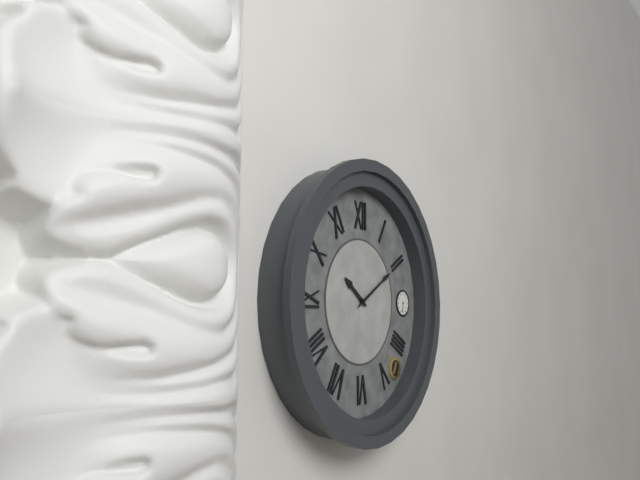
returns 10,10
